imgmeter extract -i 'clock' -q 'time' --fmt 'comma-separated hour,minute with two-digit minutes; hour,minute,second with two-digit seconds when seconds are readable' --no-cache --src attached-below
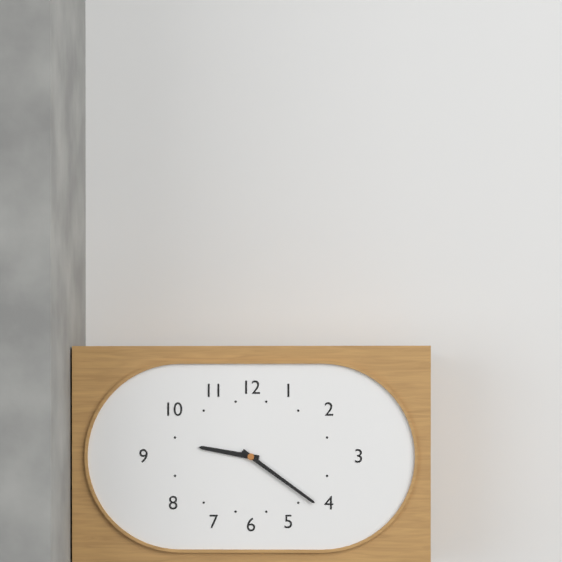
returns 9,21
